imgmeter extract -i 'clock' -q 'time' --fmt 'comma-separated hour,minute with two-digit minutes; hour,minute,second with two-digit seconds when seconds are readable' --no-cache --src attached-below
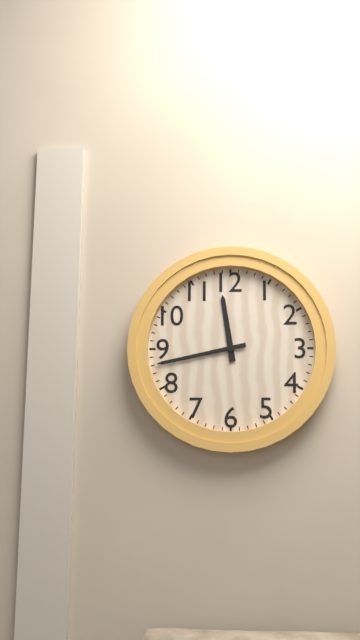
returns 11,43
